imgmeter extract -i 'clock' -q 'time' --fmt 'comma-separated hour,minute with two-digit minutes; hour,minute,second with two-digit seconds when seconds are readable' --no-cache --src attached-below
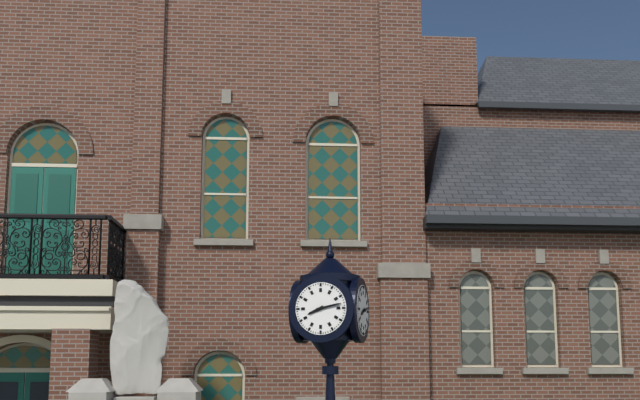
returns 8,13
